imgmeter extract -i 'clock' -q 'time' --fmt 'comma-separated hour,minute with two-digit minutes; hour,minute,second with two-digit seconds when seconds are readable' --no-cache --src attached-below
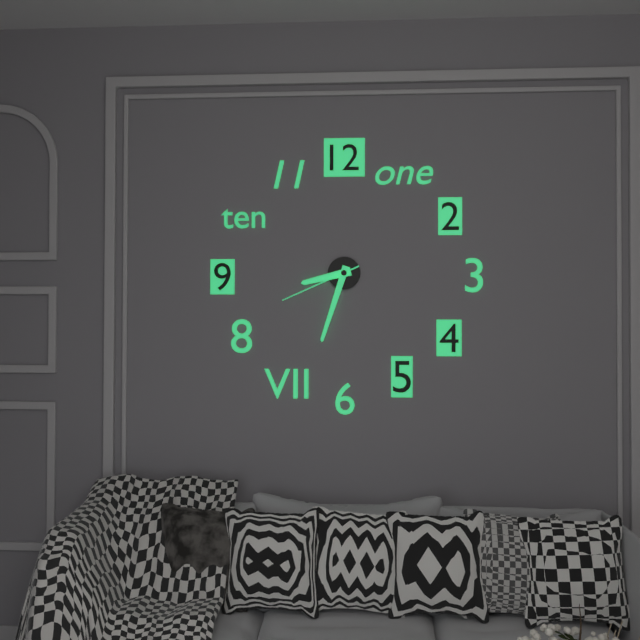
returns 8,33,41
